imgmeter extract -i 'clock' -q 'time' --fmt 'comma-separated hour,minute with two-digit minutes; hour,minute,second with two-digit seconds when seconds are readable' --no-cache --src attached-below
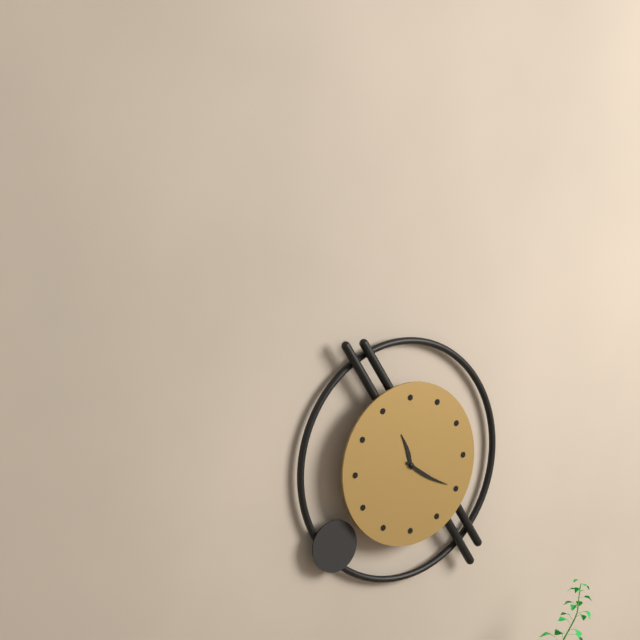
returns 11,20
